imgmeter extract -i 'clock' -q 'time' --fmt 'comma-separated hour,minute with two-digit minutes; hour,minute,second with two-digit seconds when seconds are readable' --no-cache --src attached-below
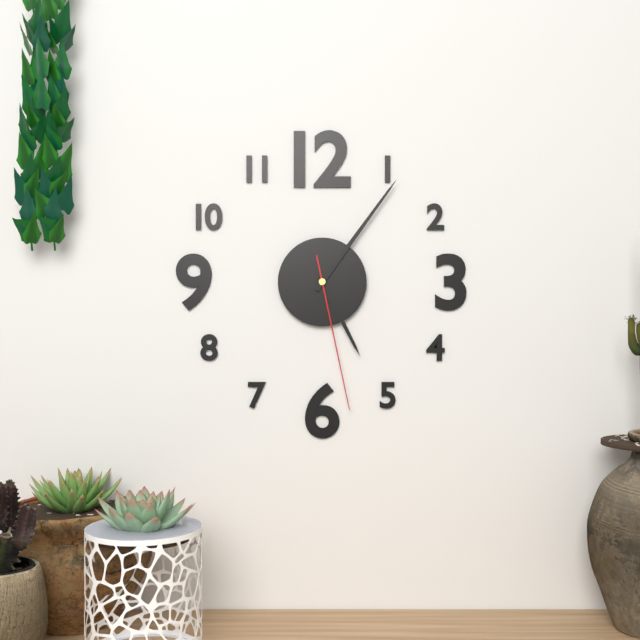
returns 5,06,28
